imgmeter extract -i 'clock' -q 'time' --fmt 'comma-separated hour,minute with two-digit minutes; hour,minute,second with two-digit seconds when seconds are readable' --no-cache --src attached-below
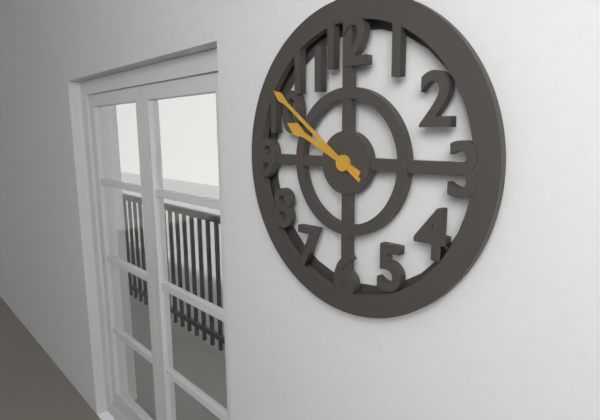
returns 9,51
